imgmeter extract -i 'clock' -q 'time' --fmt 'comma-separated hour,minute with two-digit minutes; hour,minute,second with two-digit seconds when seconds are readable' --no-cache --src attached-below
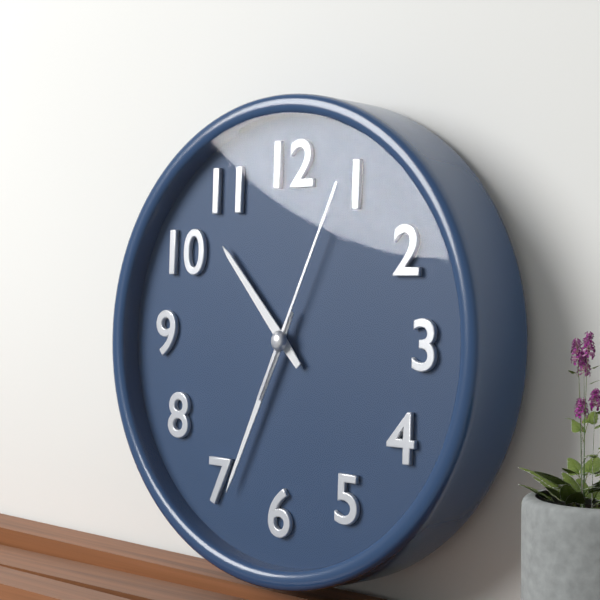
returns 10,34,04
